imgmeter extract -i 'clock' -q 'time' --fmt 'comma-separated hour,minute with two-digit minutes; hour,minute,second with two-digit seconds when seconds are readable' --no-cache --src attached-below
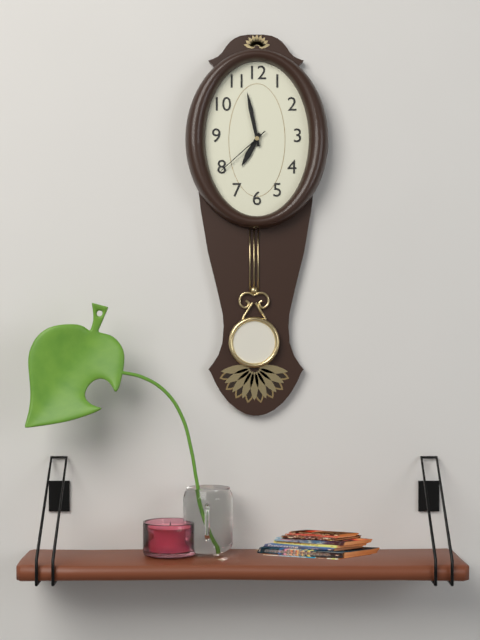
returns 6,58,38
